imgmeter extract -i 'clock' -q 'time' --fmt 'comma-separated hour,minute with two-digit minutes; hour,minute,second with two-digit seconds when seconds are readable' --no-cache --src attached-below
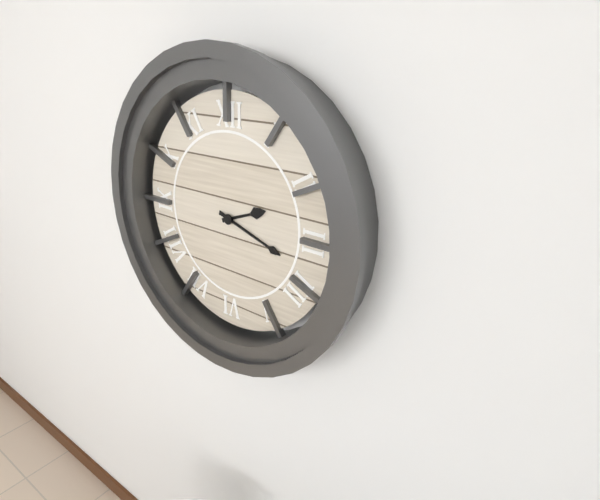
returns 2,18
